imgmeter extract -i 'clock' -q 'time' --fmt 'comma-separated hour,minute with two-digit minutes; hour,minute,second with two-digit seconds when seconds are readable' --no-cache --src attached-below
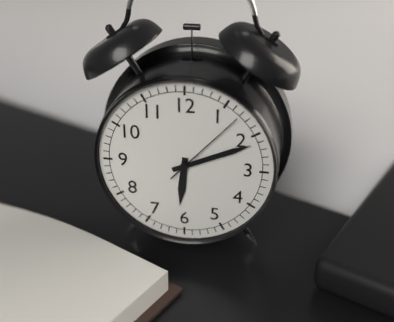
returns 6,11,07
